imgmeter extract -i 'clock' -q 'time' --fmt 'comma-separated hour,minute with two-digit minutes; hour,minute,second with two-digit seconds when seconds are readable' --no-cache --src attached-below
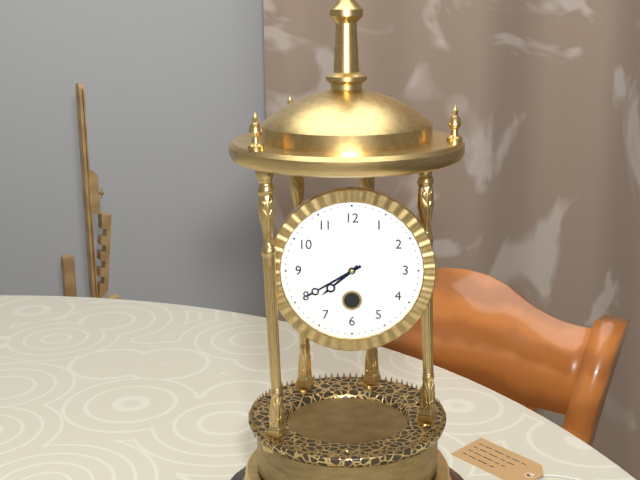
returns 7,40
